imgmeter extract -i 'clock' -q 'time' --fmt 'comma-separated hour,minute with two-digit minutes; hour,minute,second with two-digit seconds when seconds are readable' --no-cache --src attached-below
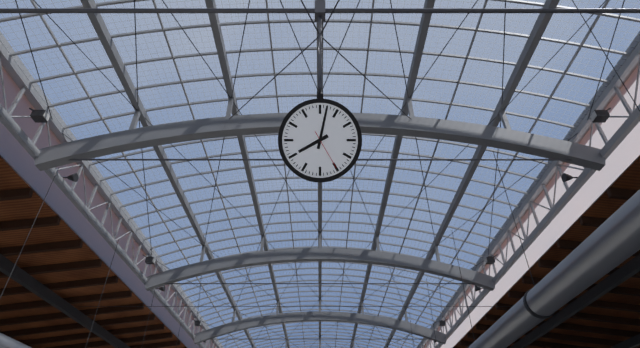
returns 8,02
